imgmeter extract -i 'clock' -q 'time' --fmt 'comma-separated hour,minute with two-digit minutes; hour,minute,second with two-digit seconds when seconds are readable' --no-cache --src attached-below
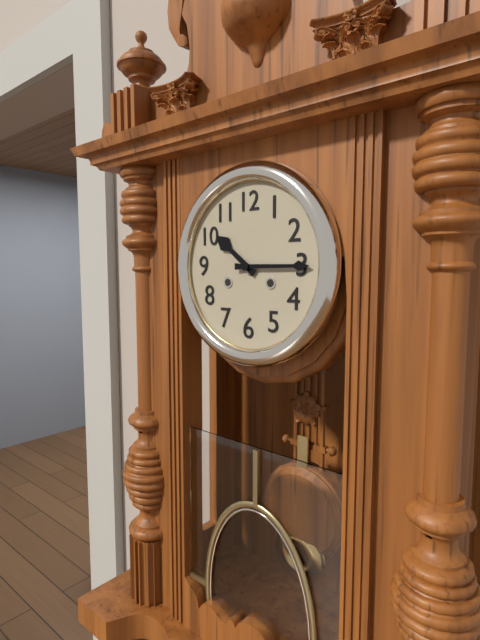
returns 10,15
